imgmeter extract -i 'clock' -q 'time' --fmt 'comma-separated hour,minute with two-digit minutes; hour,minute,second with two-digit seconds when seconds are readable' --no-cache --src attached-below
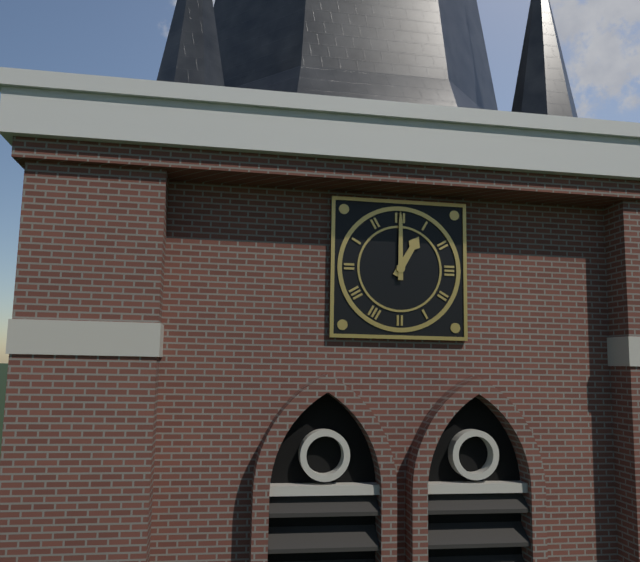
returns 1,00
